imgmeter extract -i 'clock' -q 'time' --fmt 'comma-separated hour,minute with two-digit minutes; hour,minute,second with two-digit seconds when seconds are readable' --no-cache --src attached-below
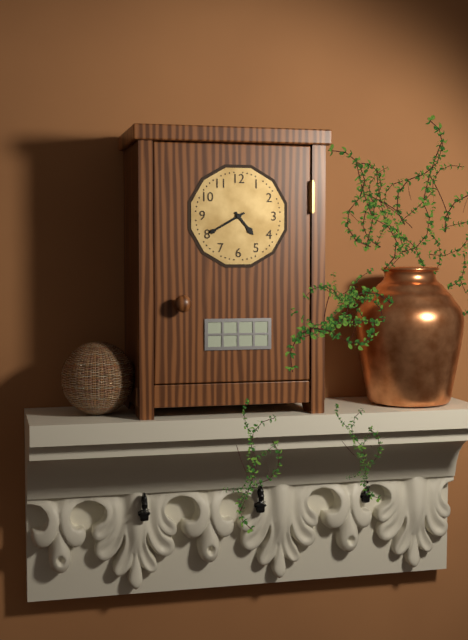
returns 4,40
